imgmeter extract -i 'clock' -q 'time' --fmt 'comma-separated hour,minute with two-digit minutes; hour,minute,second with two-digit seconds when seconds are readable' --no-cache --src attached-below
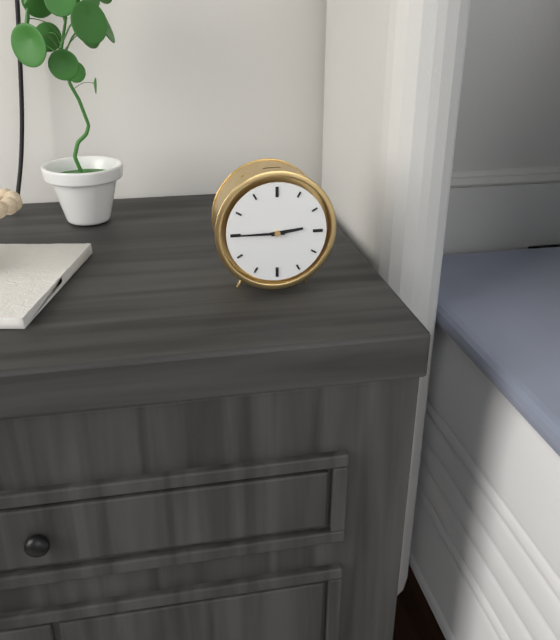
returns 2,45
